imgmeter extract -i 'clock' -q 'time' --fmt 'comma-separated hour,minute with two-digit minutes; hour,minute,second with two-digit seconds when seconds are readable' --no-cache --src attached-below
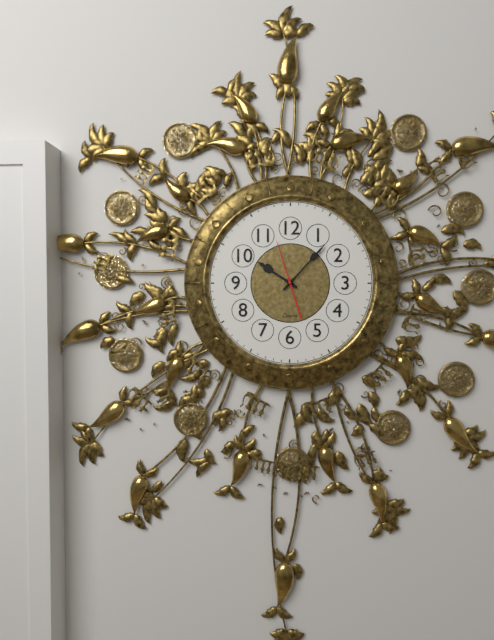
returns 10,07,57
